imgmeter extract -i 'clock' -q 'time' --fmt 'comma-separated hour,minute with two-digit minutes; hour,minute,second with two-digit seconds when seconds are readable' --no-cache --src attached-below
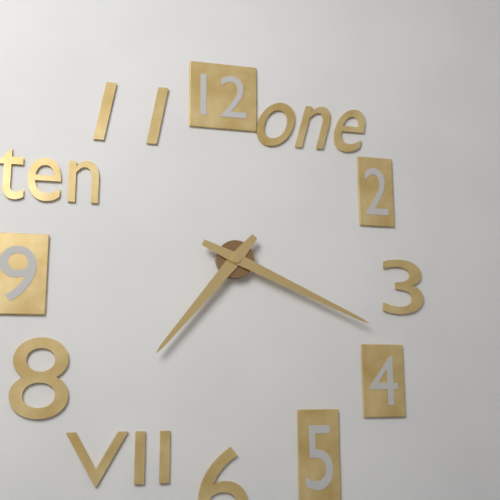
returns 7,19
